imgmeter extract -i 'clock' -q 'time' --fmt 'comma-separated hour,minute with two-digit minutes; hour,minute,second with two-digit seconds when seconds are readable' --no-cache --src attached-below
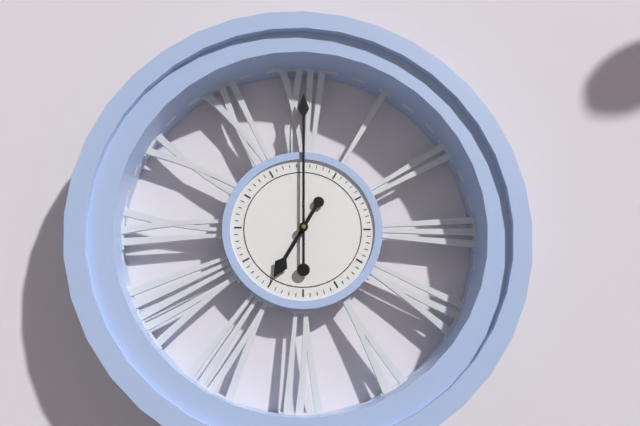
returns 7,00
